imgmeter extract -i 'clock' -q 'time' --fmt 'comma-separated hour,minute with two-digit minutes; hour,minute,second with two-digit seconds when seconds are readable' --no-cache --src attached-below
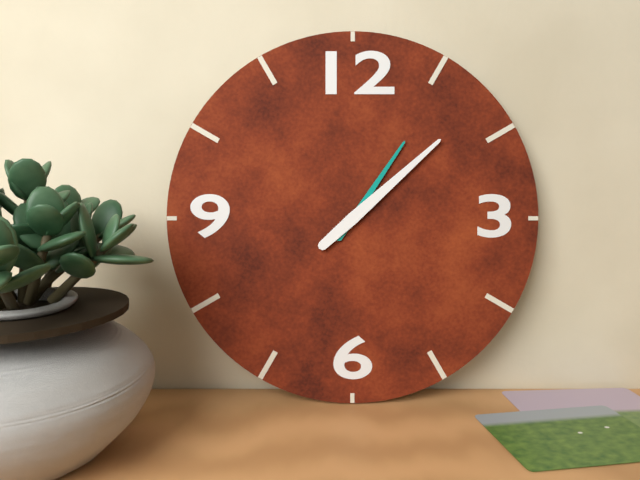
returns 1,08
